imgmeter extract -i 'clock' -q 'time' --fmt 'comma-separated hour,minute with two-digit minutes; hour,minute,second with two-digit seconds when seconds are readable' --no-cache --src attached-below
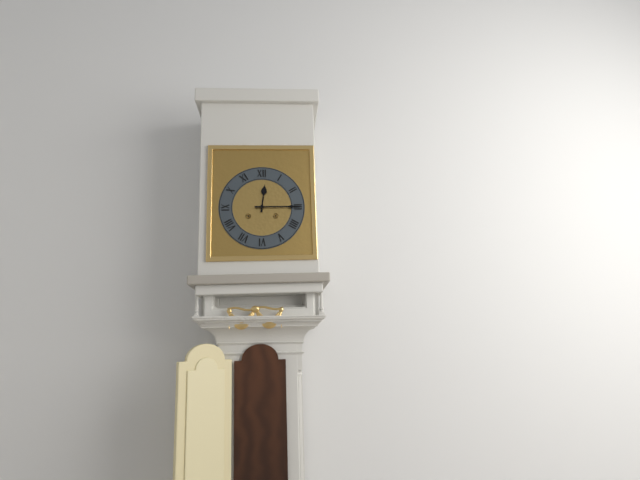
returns 12,15
